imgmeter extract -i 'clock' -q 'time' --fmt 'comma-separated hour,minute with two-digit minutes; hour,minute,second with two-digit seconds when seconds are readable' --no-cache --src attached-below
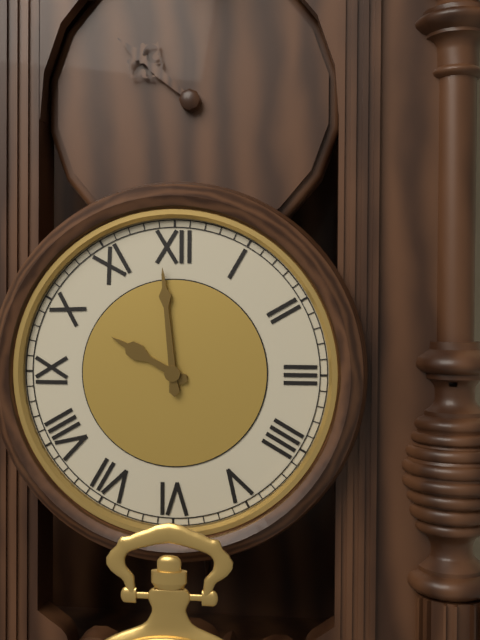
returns 9,59
